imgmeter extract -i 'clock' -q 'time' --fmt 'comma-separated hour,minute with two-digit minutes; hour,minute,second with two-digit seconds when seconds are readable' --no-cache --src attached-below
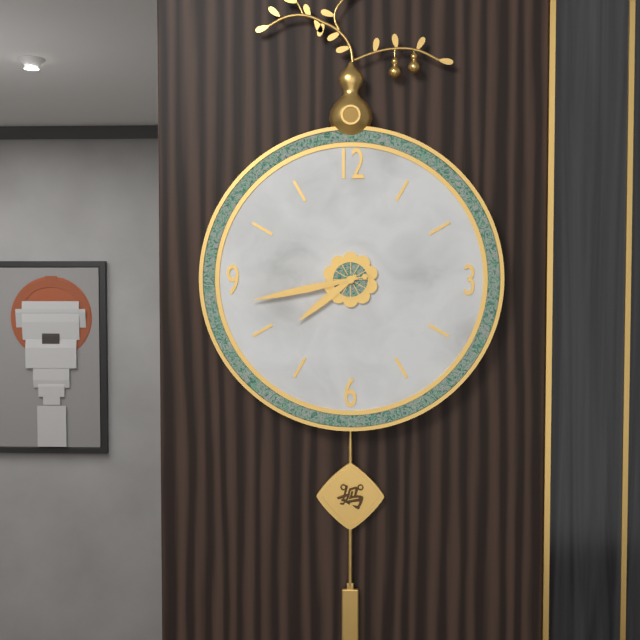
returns 7,43,43
